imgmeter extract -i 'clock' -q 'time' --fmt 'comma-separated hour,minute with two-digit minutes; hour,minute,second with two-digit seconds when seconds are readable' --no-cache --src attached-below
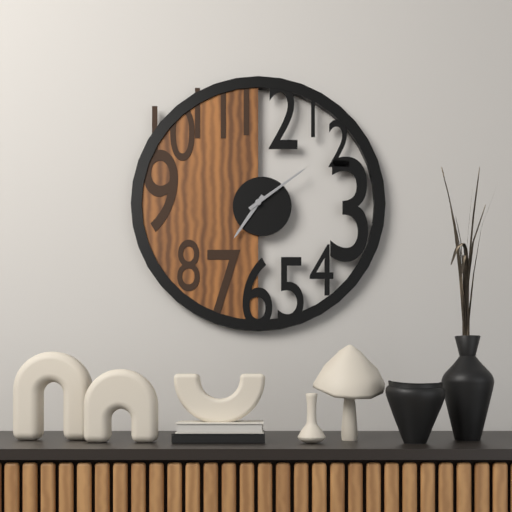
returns 7,09
